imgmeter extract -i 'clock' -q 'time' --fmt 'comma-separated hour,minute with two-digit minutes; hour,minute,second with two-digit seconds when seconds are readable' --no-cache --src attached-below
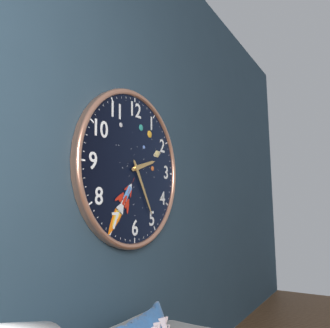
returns 2,25
